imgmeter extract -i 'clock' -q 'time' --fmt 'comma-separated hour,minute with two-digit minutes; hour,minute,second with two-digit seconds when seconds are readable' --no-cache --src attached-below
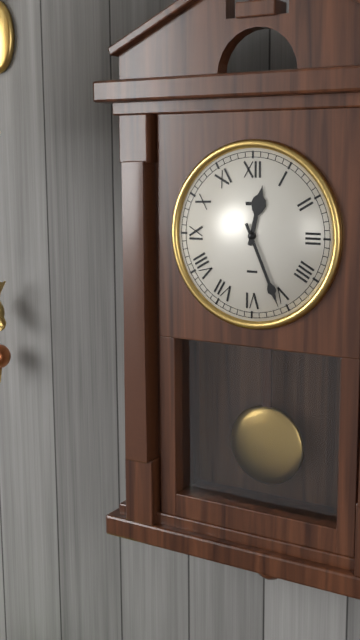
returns 12,26
